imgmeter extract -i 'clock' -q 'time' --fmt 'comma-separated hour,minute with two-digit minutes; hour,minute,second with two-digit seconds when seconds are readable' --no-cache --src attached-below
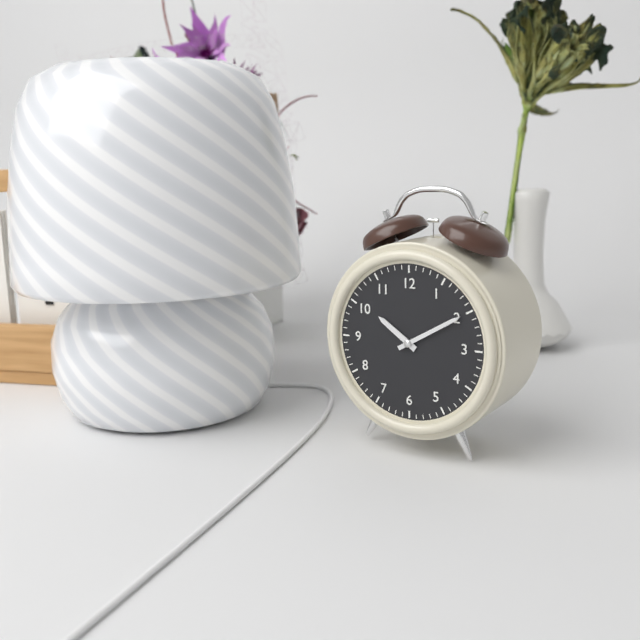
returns 10,10
